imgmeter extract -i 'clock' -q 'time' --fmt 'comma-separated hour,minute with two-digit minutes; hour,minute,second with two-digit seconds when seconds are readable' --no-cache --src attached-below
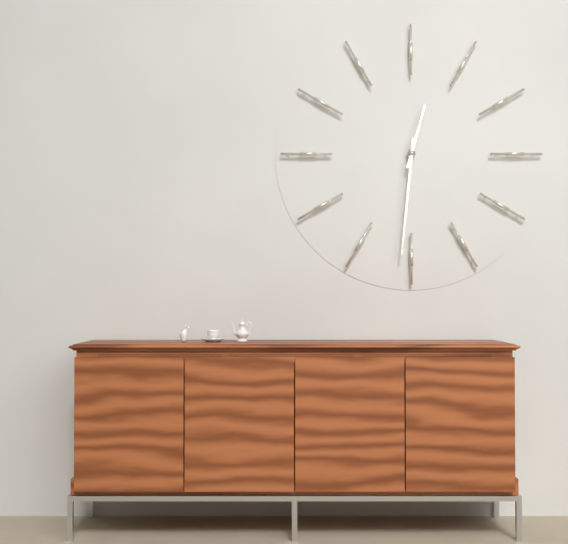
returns 12,31
